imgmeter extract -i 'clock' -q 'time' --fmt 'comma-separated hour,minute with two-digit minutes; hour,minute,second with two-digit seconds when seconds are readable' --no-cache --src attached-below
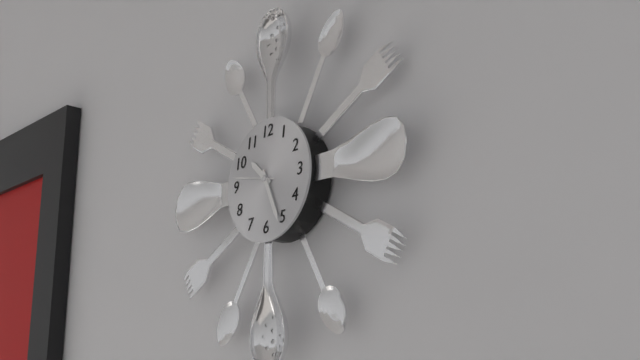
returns 10,26,47
